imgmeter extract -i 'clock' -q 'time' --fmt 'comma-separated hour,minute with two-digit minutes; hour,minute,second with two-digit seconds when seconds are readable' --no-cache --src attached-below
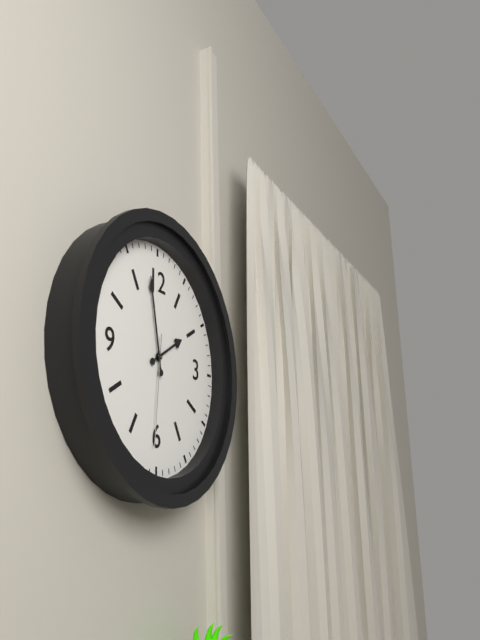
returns 1,58,31
